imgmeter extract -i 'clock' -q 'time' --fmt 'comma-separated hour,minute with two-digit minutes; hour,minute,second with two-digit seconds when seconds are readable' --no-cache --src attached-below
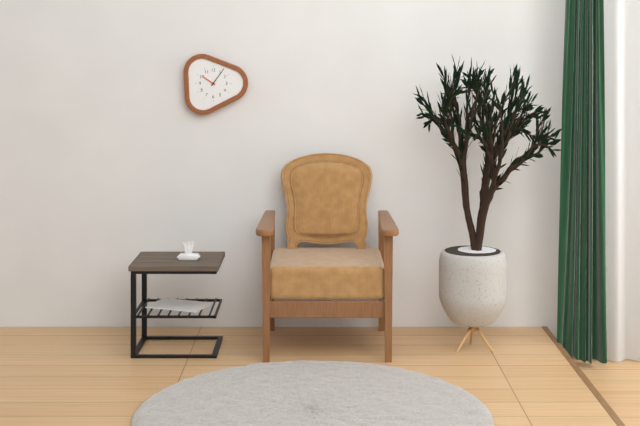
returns 10,06
